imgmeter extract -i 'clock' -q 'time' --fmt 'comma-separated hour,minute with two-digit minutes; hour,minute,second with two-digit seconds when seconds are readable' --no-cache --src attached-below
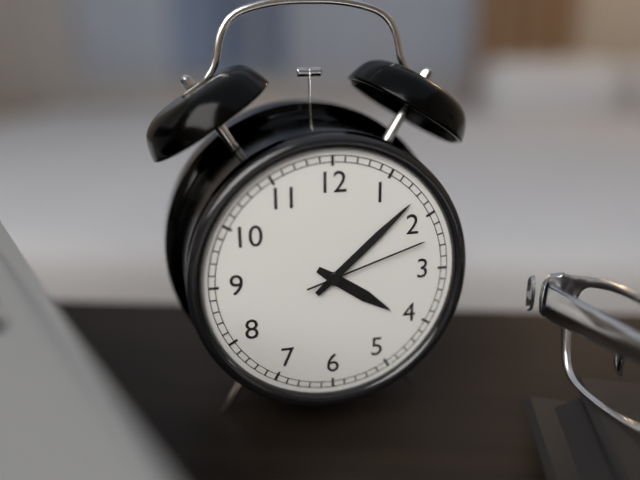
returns 4,08,12
